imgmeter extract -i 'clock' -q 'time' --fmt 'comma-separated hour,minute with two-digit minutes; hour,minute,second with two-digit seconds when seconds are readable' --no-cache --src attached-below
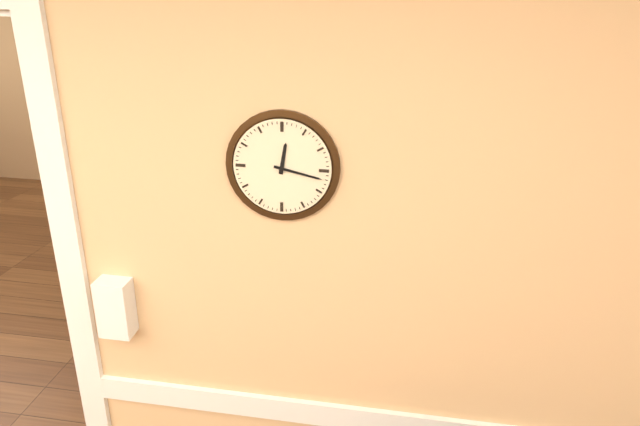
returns 12,17
